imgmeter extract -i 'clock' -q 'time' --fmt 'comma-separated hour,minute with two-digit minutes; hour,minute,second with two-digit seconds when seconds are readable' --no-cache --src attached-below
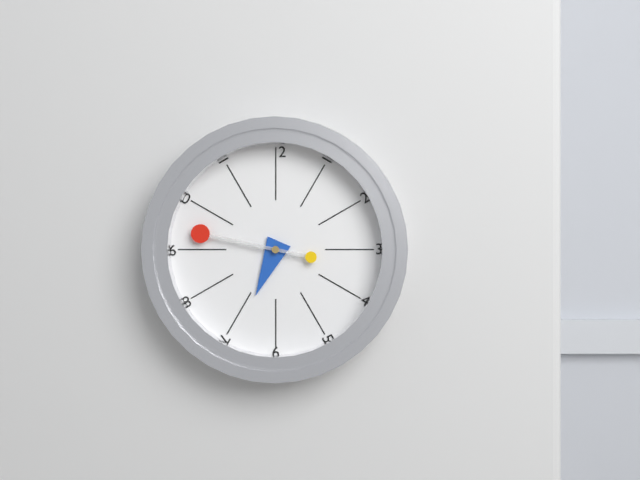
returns 6,47
